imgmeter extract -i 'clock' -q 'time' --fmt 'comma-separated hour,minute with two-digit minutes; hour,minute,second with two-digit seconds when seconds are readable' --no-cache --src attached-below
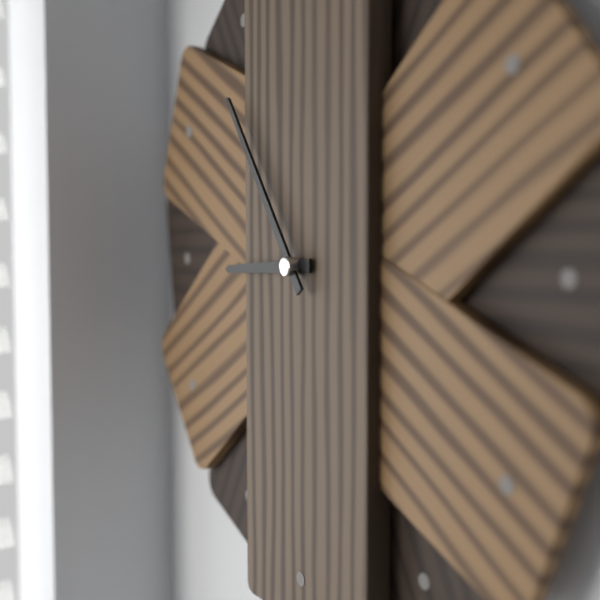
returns 8,54
